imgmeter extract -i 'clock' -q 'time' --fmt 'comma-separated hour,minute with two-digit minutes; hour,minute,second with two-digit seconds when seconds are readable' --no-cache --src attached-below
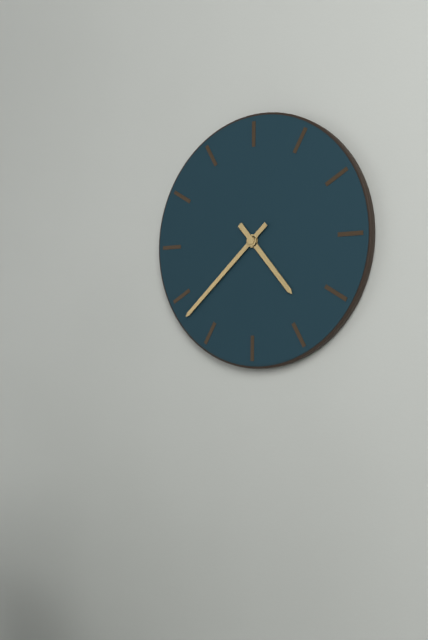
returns 4,38
